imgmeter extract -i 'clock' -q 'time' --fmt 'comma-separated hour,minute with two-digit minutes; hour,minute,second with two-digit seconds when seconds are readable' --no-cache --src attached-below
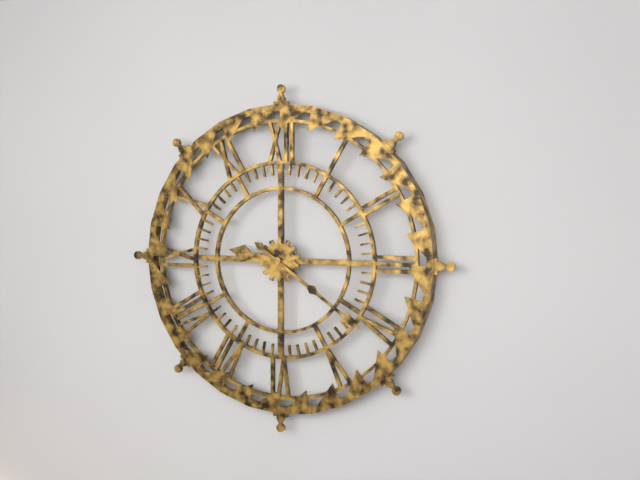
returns 9,21
